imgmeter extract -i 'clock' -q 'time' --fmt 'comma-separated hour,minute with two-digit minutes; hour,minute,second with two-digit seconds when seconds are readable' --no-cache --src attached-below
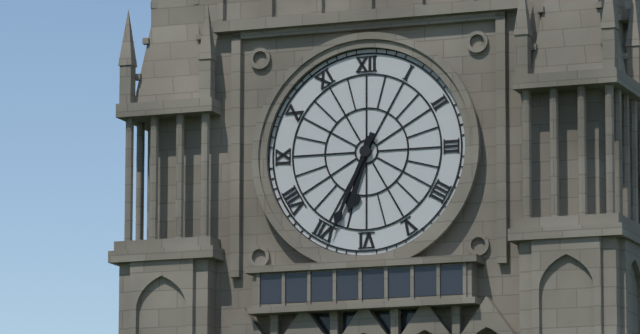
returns 6,34
